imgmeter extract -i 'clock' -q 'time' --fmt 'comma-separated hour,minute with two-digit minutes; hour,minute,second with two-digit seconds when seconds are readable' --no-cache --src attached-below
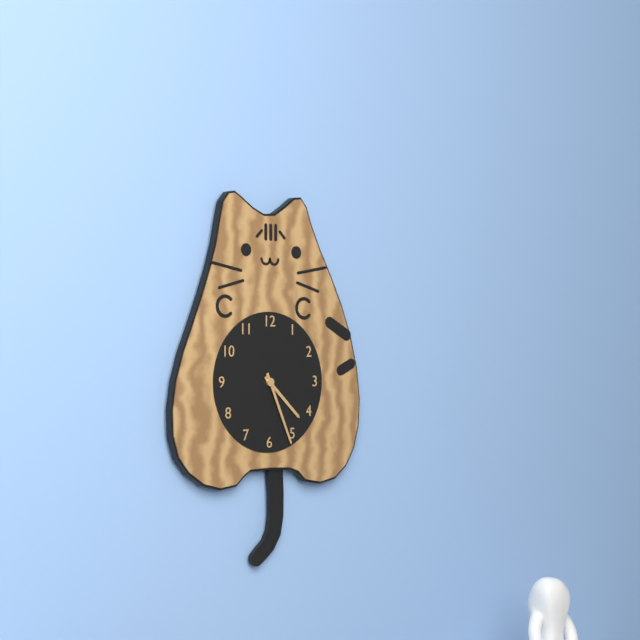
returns 4,26
